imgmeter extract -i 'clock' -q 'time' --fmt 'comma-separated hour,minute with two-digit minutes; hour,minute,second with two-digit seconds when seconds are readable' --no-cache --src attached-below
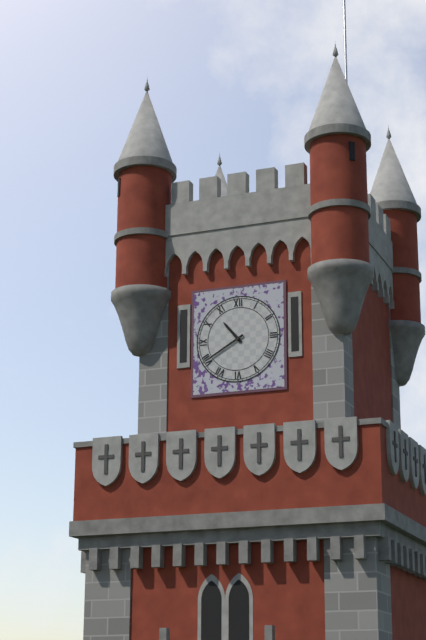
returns 10,40
